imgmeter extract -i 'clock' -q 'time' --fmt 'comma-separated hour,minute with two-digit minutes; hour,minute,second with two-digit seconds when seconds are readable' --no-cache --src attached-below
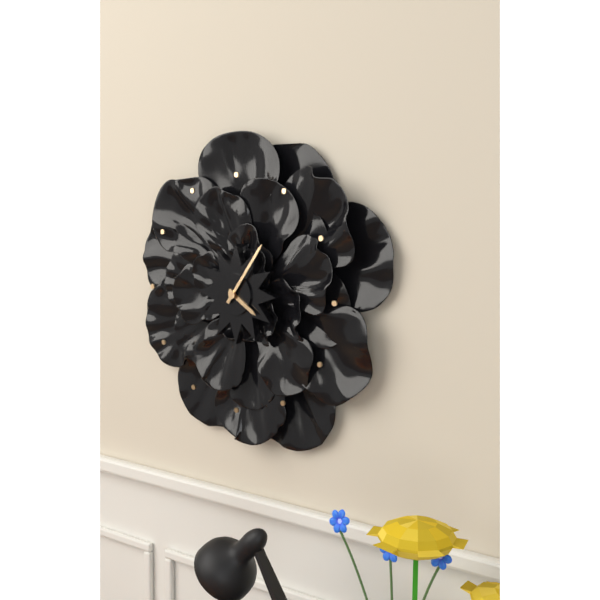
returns 4,06
